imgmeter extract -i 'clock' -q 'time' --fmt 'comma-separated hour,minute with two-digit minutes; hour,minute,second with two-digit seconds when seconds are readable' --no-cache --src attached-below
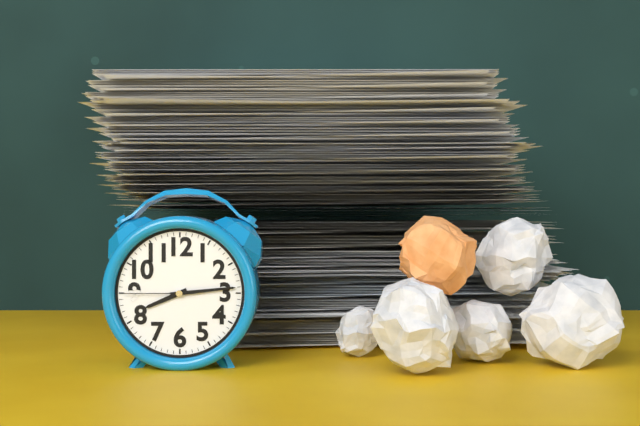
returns 8,14,45
